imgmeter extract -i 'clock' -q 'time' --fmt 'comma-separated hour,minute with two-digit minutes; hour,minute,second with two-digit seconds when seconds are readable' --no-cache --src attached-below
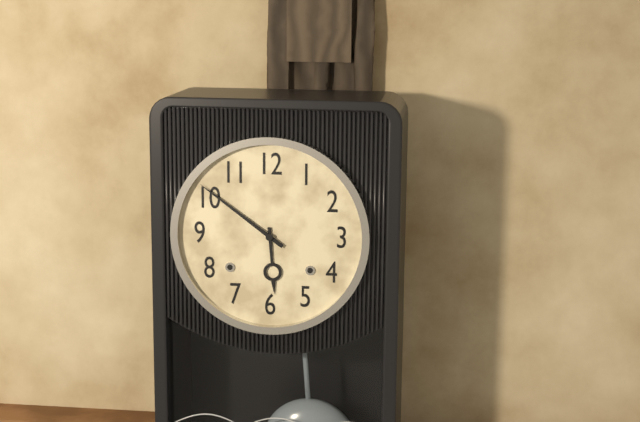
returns 5,51
